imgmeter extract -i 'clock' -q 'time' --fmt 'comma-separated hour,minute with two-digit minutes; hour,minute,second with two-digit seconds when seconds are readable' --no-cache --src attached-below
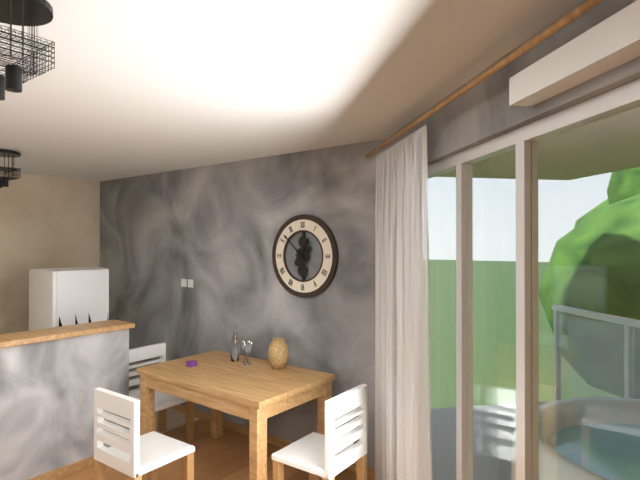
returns 12,52
